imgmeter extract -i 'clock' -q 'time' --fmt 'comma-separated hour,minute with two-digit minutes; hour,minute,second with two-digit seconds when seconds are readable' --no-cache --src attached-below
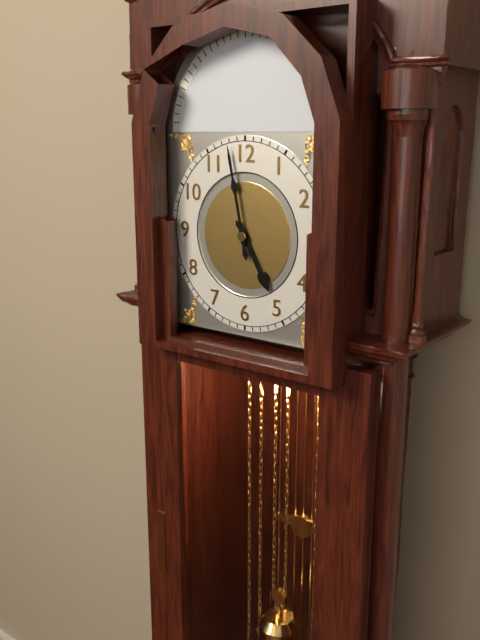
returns 4,58
